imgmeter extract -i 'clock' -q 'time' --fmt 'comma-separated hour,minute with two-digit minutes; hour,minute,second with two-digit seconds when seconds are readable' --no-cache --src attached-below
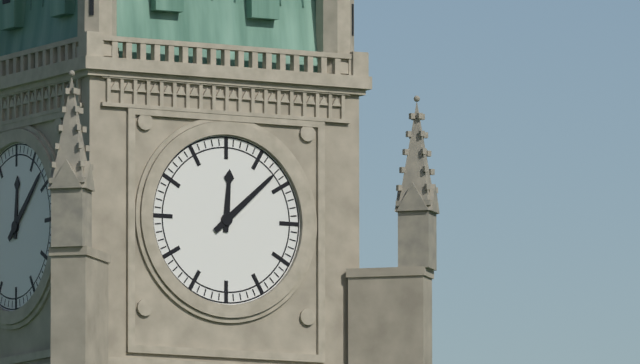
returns 12,08
